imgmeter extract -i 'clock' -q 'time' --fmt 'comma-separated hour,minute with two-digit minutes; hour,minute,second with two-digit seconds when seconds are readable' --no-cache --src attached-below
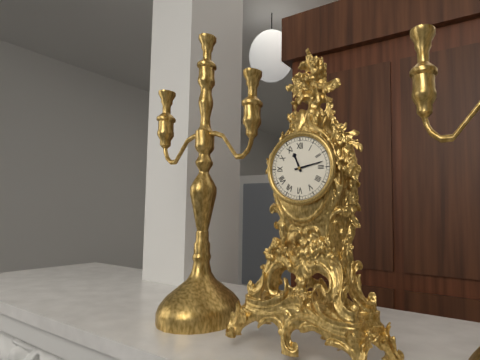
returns 11,13
